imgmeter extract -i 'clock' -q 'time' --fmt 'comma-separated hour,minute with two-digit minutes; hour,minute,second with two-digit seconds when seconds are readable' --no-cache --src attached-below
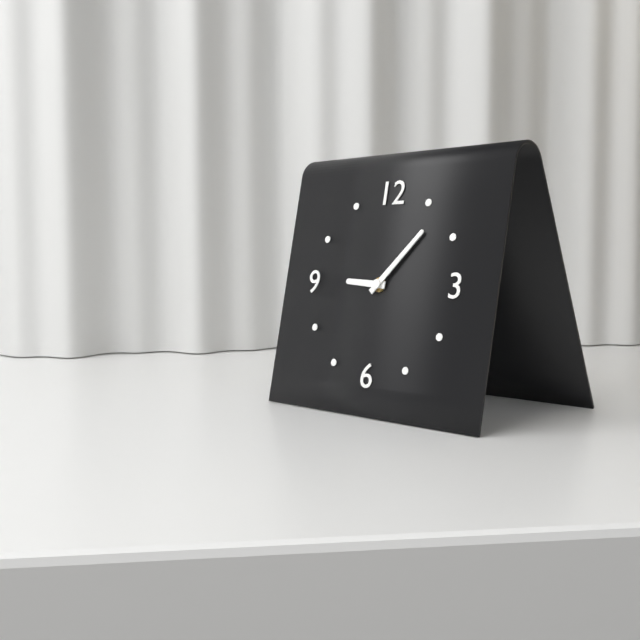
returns 9,07
